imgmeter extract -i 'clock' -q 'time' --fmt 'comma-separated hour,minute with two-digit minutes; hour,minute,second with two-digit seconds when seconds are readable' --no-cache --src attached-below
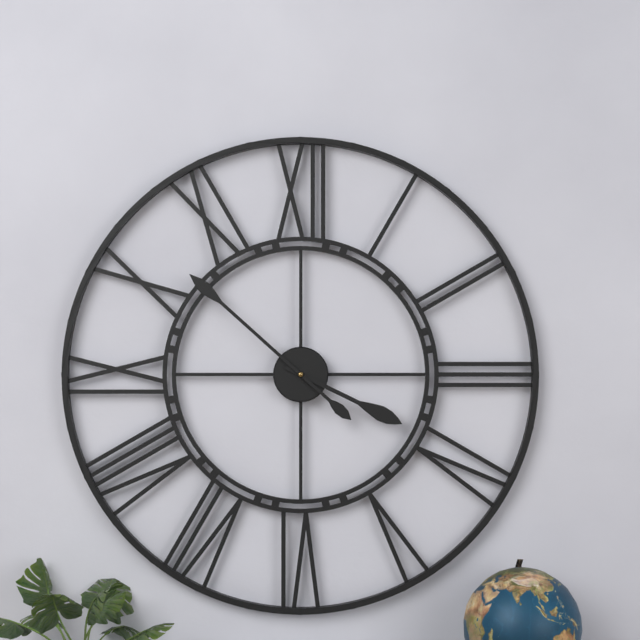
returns 3,52
